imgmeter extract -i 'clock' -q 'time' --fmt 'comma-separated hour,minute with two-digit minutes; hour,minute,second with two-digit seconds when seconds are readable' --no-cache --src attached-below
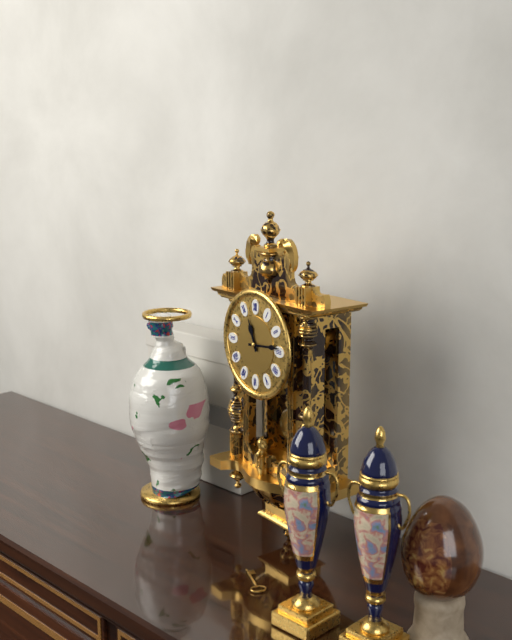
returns 11,14
